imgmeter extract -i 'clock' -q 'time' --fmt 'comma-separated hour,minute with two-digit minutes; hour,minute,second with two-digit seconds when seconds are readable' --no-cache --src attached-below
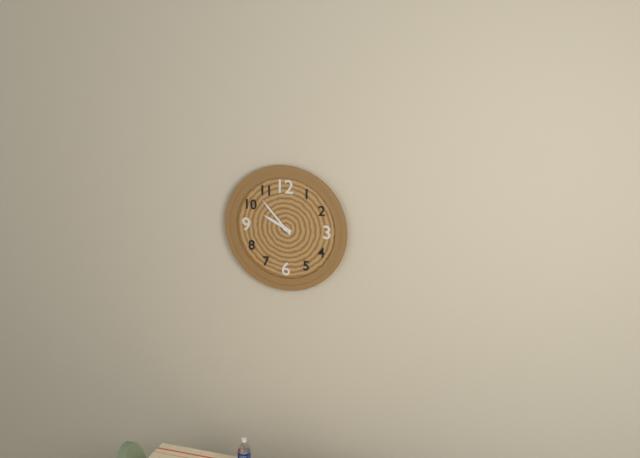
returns 9,53
